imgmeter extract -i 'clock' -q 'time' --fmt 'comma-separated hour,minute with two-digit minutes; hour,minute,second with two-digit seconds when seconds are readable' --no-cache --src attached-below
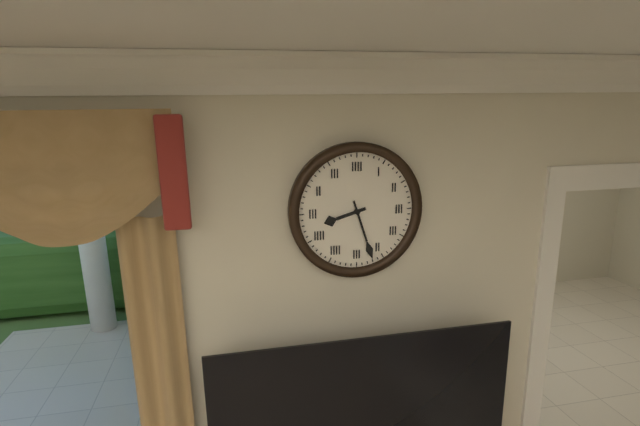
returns 8,27
